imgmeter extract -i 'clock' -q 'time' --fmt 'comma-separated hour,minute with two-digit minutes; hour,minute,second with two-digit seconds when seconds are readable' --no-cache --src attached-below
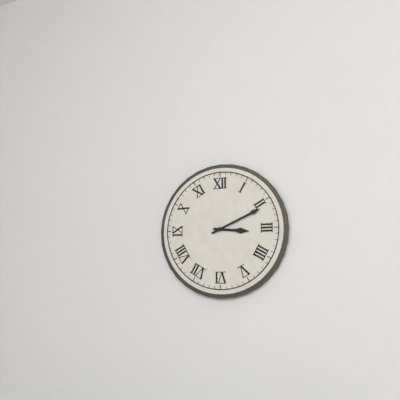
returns 3,11
